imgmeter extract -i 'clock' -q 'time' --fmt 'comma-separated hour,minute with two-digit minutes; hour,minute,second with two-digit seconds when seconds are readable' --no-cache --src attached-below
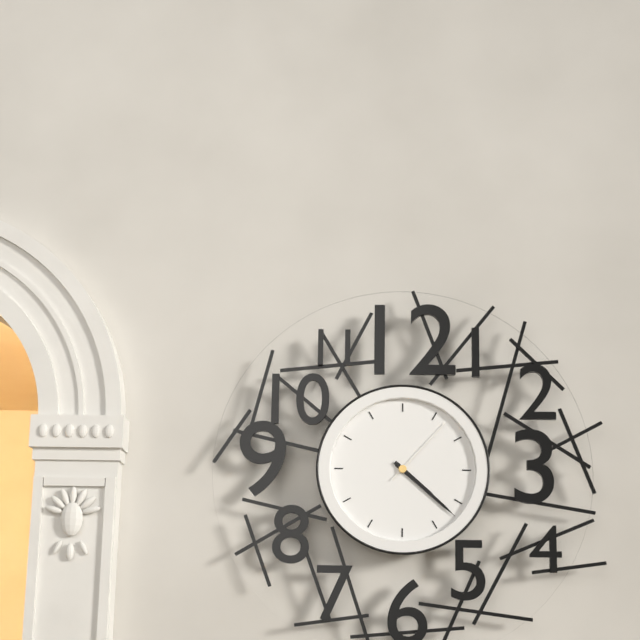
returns 4,22,07
